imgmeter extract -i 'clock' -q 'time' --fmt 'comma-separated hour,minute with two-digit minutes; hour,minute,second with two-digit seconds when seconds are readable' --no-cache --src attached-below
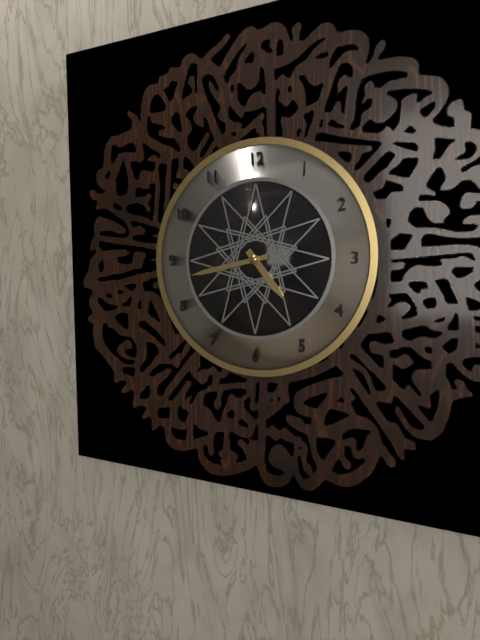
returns 4,43
